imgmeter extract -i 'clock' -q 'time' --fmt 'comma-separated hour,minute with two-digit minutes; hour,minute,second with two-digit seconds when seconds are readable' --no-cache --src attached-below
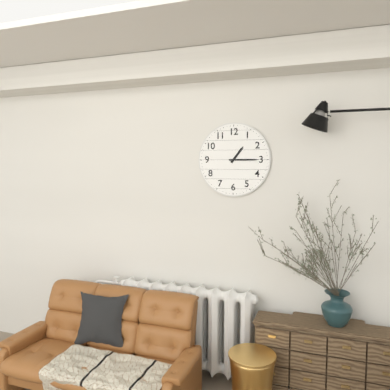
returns 1,15
